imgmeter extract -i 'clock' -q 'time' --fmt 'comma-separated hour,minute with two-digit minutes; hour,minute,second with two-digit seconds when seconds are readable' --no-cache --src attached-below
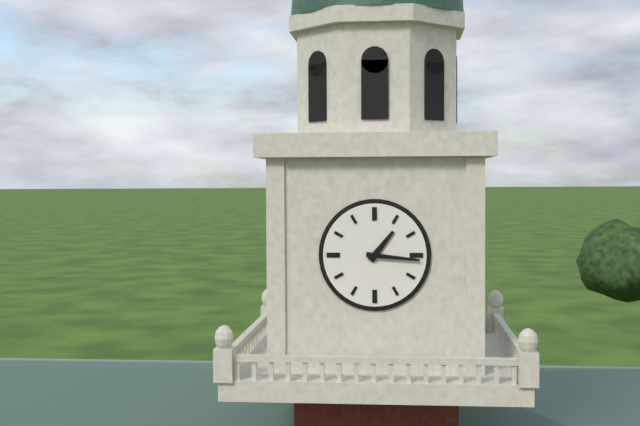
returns 1,16
